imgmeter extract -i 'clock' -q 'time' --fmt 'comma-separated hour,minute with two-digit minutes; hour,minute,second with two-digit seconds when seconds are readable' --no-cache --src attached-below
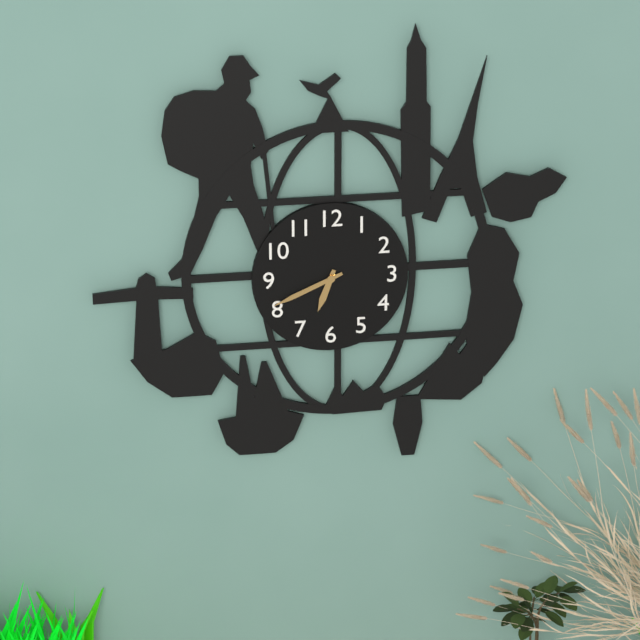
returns 6,41
